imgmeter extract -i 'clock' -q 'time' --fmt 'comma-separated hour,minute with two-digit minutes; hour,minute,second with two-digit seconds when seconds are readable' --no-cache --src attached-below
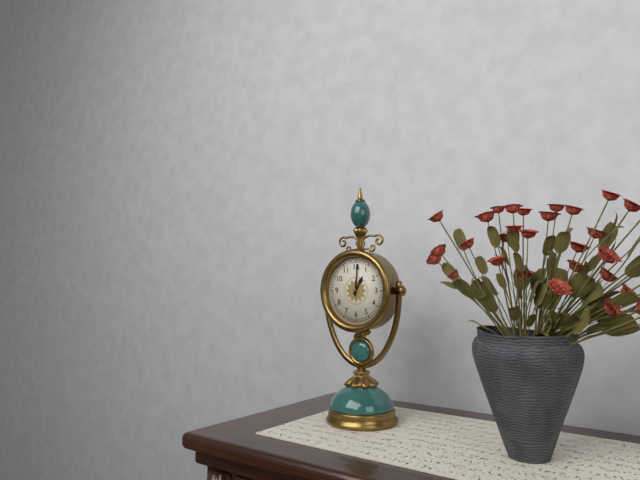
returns 1,01
